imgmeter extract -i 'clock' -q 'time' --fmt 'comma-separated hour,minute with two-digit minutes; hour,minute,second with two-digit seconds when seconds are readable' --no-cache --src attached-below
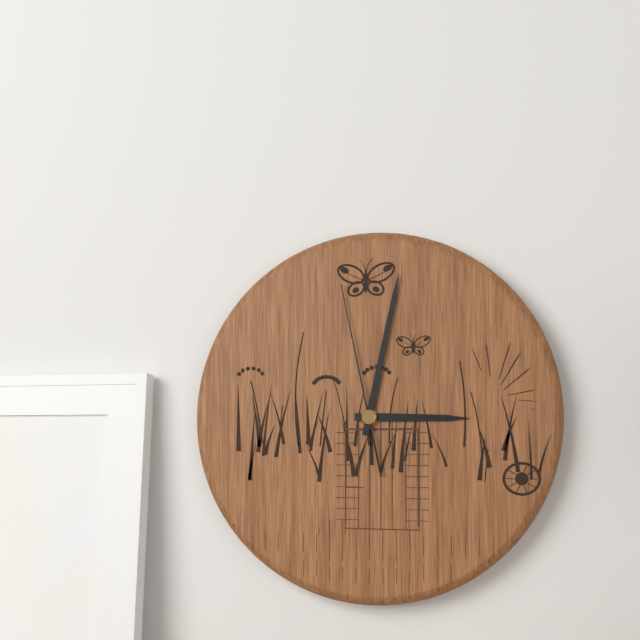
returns 3,02,58
